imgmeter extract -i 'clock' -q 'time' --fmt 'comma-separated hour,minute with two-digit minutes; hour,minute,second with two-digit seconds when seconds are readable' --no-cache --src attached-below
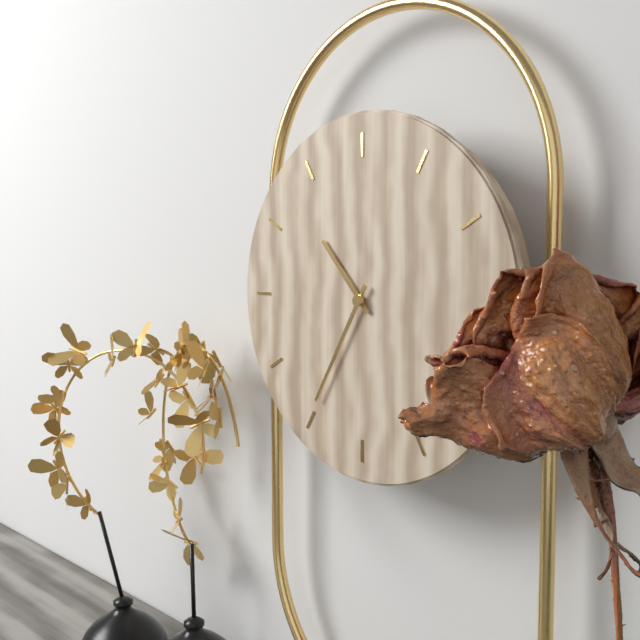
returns 10,35
